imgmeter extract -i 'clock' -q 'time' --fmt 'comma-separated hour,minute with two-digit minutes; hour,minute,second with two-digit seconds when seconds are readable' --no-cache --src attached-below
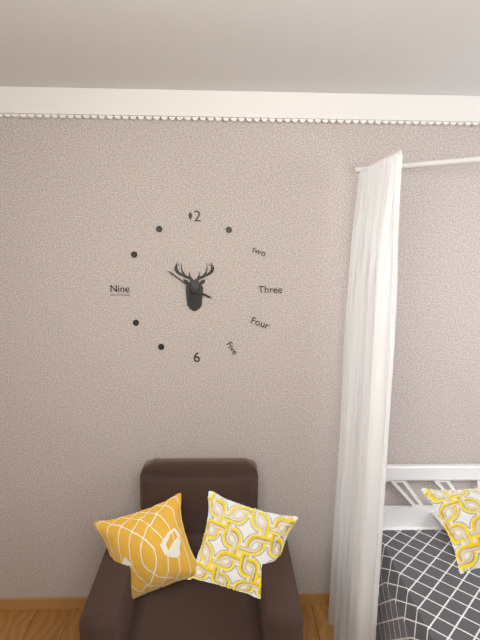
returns 3,51
